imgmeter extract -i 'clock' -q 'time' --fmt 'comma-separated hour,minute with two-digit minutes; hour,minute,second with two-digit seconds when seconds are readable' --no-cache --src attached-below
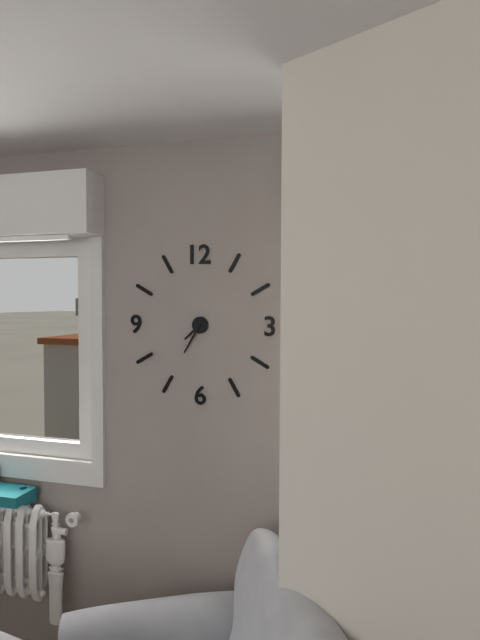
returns 7,35
